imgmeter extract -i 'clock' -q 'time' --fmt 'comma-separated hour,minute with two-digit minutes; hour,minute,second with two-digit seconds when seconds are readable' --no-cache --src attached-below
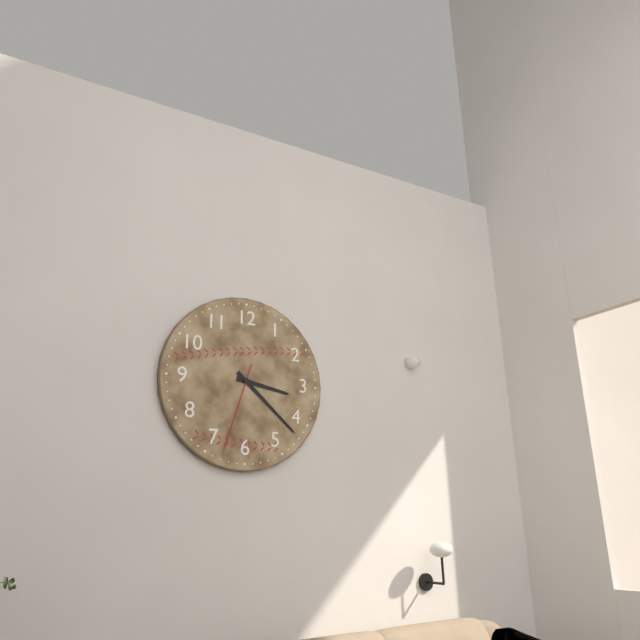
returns 3,22,33
